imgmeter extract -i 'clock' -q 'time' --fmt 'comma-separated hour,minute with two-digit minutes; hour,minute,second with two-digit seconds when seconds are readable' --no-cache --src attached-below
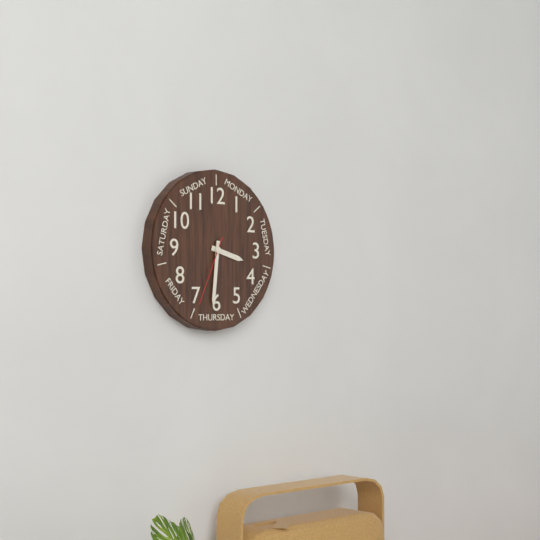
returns 3,31,34
